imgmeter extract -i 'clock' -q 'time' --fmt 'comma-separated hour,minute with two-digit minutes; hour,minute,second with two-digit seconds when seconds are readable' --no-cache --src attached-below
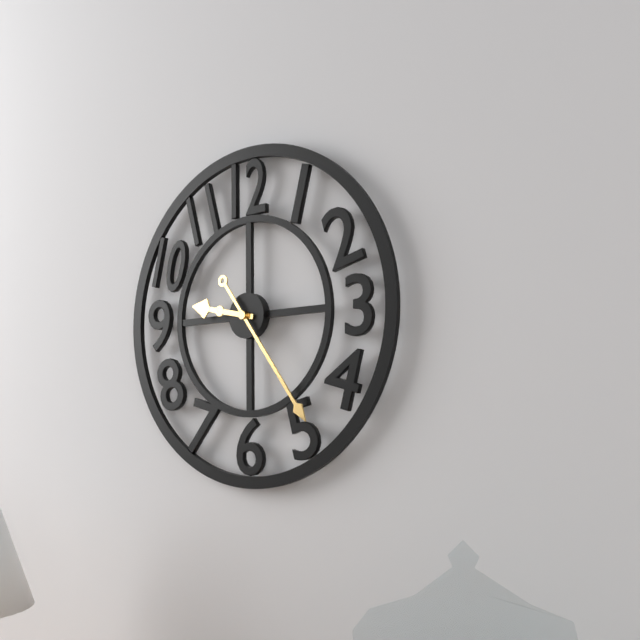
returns 9,24
